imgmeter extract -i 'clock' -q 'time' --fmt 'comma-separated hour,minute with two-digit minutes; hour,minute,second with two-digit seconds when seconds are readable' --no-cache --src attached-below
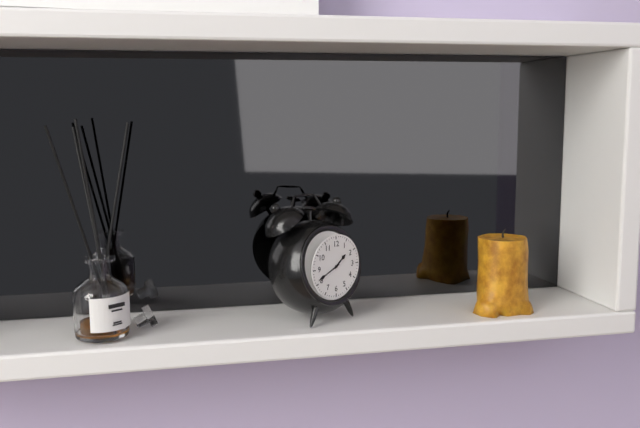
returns 1,41
